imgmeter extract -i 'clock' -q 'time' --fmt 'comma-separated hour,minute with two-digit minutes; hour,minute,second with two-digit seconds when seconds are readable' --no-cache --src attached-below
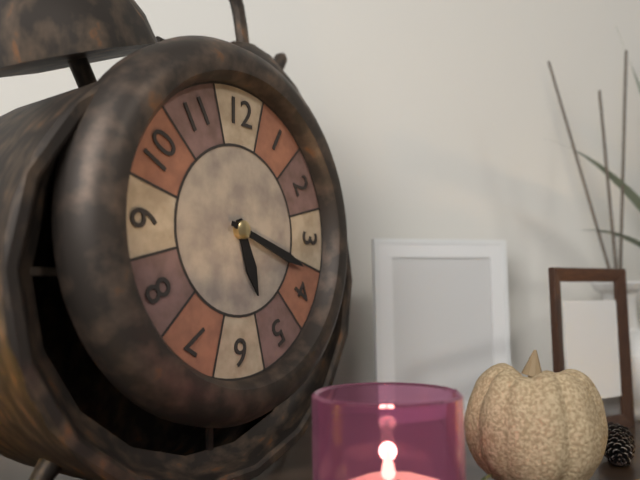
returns 5,18
